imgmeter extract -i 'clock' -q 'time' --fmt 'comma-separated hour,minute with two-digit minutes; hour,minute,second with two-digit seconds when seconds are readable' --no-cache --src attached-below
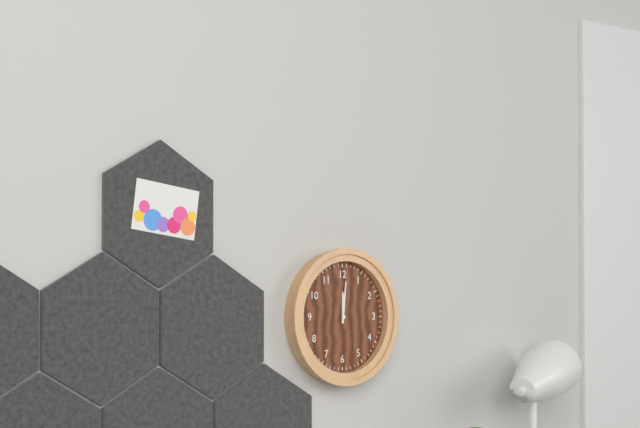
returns 12,01
